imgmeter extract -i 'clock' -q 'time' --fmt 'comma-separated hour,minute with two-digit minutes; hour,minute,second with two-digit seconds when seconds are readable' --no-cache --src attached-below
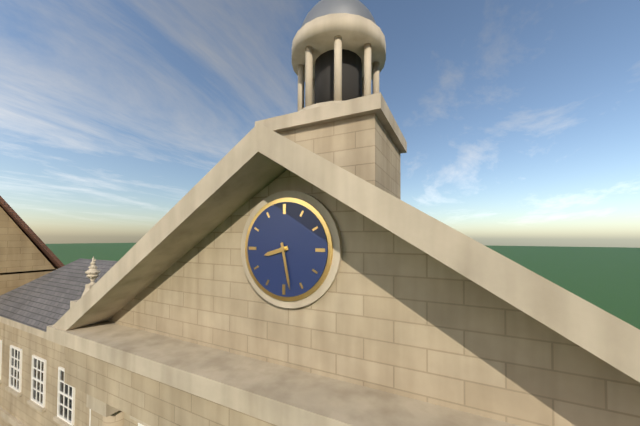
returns 8,28
